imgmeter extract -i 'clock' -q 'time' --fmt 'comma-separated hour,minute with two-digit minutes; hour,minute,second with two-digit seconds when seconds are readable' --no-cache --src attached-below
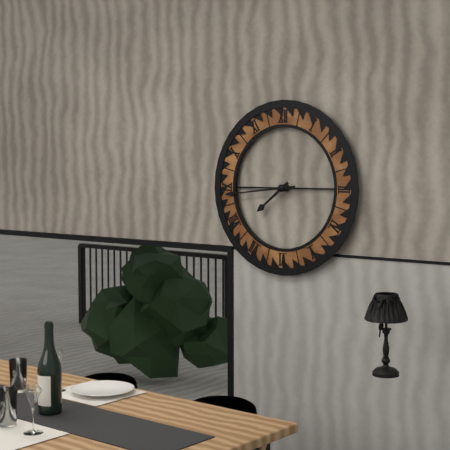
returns 7,44
